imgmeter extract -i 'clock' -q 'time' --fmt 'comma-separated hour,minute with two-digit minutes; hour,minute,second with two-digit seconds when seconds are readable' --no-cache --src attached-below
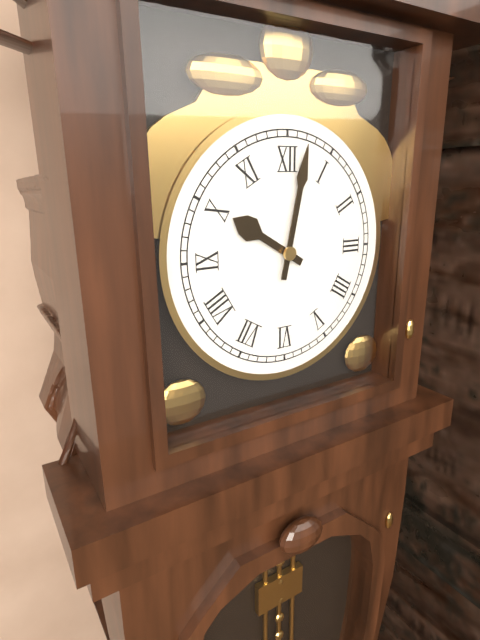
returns 10,02
